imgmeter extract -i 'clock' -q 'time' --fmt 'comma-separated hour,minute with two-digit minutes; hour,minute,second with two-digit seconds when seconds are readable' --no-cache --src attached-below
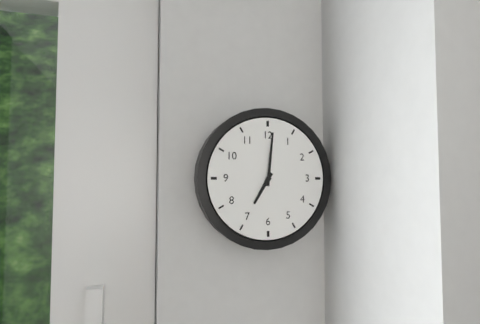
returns 7,01
